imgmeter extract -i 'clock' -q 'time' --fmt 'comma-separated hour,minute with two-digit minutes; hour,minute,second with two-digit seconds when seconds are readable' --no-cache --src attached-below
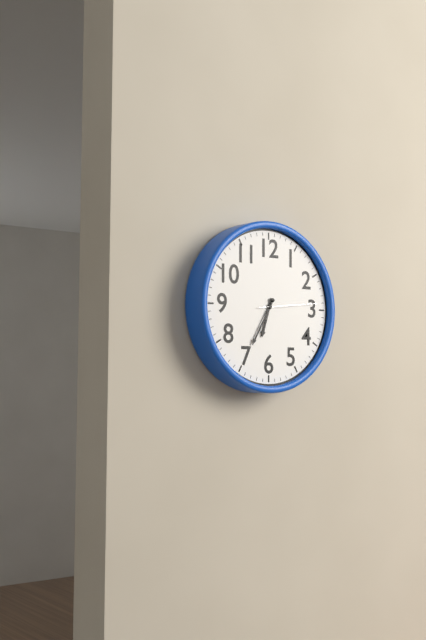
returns 6,35,14
